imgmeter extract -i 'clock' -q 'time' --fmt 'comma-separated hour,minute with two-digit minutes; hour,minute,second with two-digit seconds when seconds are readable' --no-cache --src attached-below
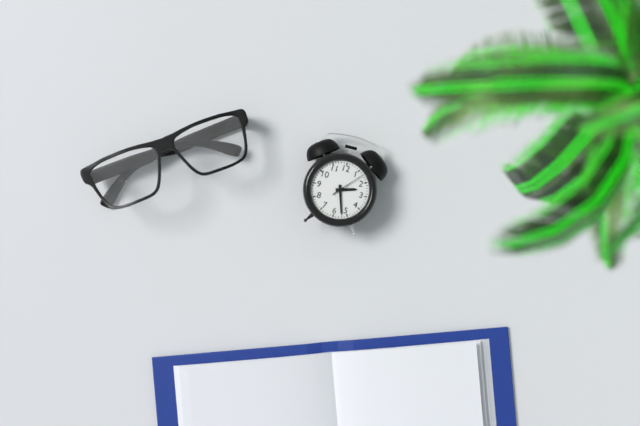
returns 2,27
